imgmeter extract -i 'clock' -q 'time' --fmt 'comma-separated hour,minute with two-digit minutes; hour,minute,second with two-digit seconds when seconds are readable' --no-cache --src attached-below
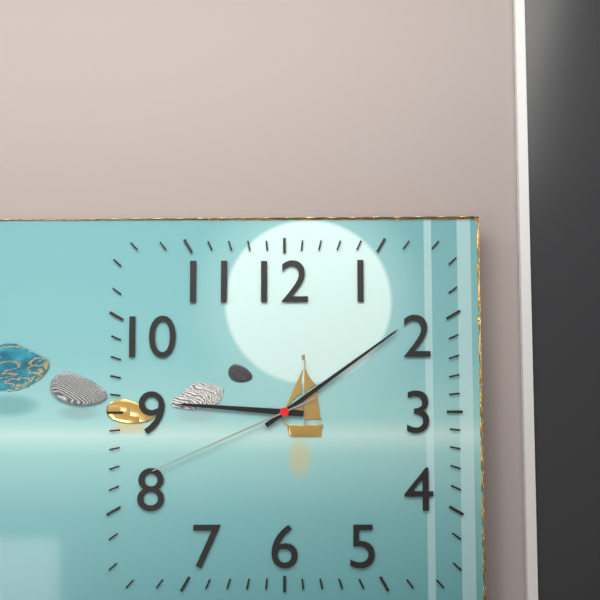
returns 9,09,41
